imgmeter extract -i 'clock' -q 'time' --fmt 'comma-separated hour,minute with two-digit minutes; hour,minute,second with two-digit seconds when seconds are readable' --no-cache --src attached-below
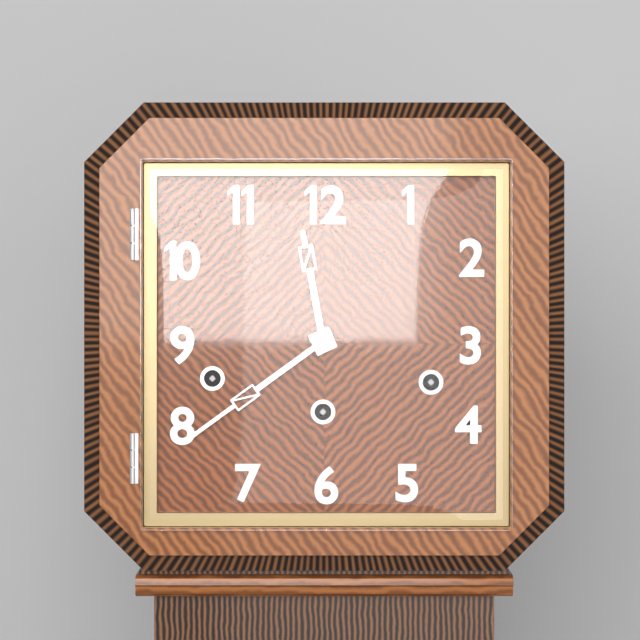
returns 11,39
